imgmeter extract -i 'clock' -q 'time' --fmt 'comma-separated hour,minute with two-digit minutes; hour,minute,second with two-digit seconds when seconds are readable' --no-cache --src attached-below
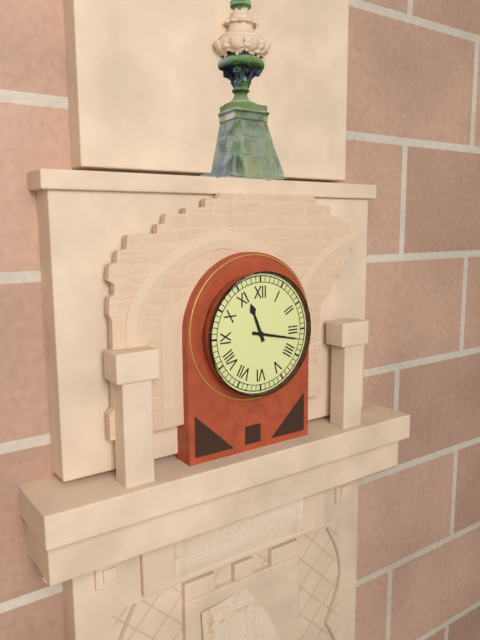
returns 11,17
